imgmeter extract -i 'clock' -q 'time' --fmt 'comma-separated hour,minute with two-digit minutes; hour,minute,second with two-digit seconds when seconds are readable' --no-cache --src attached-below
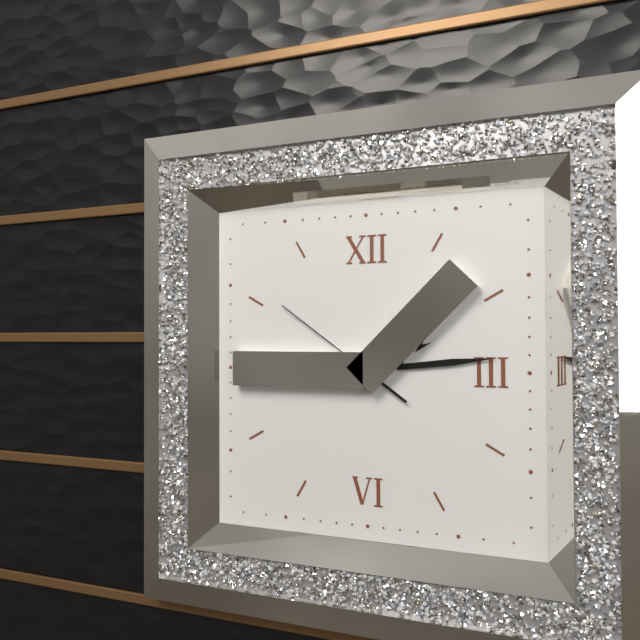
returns 2,14,51
